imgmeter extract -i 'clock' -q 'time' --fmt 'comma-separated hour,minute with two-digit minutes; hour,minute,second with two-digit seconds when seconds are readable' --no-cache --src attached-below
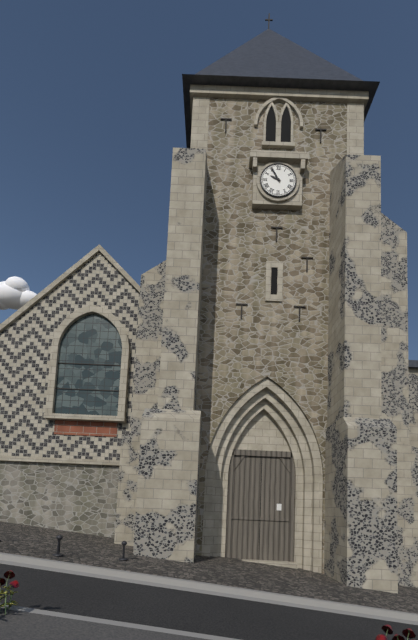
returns 9,55
